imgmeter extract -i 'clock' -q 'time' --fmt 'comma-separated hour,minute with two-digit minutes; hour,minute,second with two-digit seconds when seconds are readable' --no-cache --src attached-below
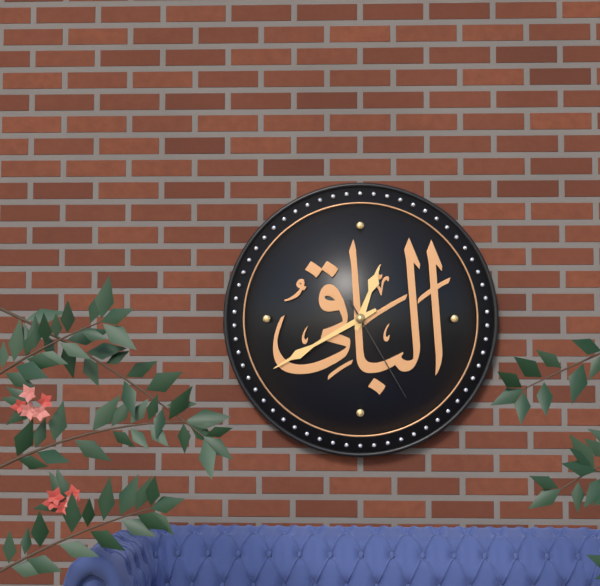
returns 12,40,25
